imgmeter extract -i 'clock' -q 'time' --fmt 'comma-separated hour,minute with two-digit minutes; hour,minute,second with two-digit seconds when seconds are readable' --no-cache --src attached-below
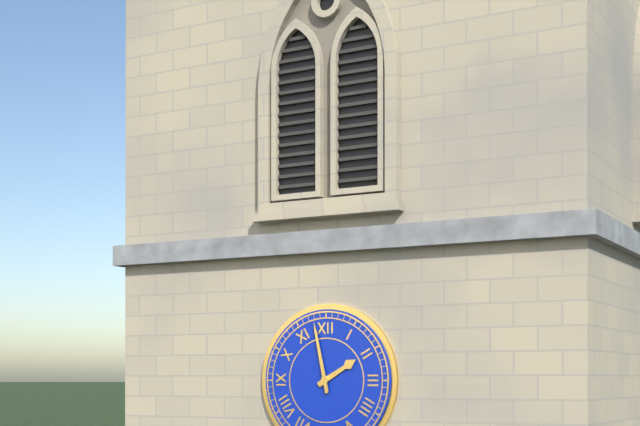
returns 1,58
